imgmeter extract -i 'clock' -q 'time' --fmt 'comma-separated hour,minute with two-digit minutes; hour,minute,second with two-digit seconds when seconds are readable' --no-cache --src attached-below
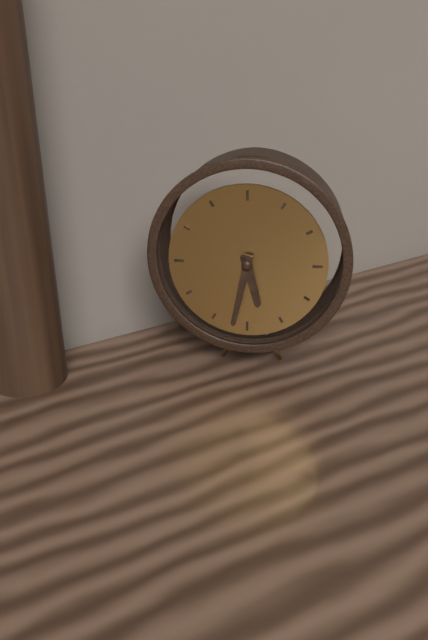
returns 5,32
